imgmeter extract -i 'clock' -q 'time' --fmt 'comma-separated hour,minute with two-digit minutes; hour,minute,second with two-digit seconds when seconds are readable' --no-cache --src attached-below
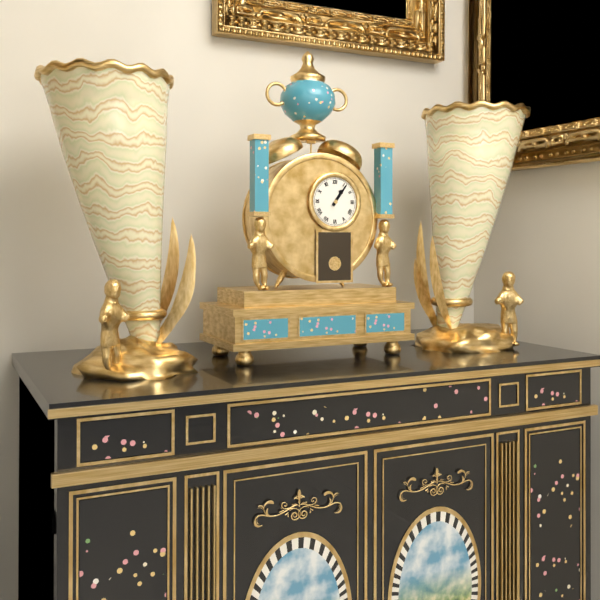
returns 1,06
